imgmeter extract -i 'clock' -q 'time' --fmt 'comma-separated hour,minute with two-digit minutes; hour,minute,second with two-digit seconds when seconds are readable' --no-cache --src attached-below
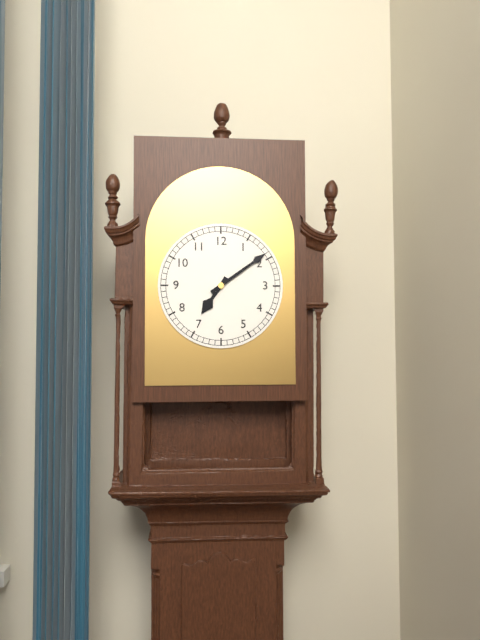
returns 7,09
